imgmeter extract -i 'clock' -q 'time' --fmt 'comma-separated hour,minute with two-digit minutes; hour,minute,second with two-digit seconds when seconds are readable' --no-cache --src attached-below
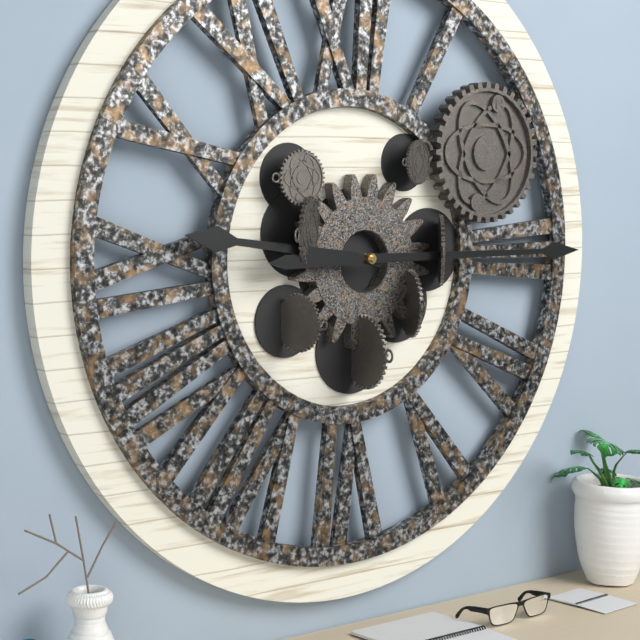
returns 9,15
